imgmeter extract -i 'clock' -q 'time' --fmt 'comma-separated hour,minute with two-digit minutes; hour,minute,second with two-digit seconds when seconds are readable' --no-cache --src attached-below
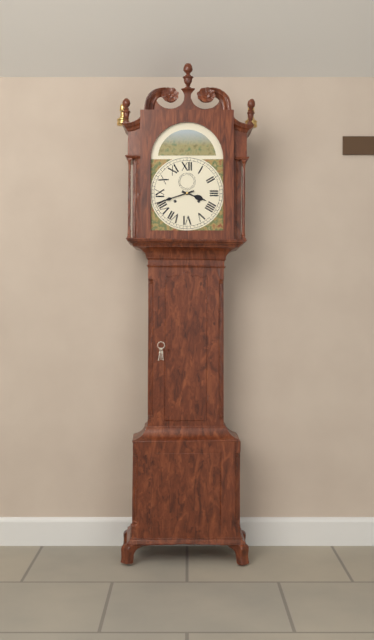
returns 3,42
